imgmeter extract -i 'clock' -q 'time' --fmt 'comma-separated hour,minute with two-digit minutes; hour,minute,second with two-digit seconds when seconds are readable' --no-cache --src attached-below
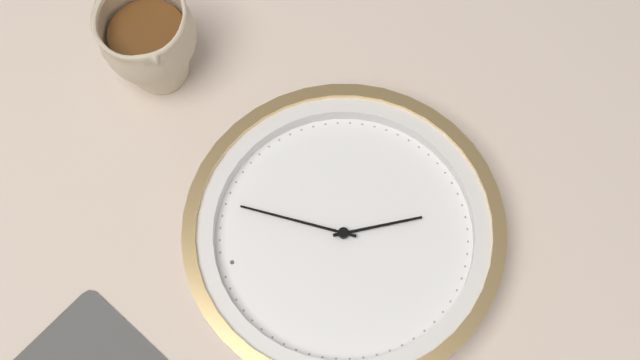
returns 6,05
